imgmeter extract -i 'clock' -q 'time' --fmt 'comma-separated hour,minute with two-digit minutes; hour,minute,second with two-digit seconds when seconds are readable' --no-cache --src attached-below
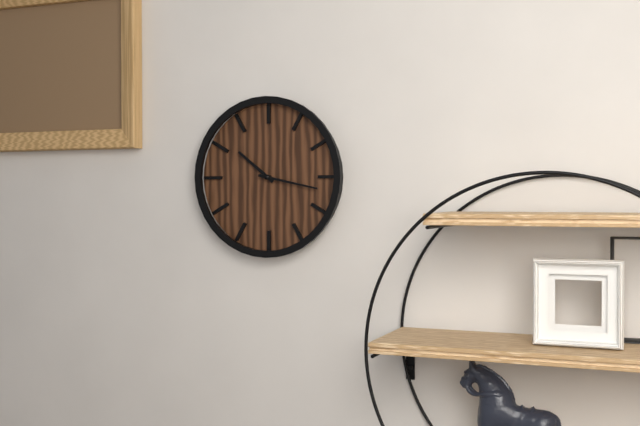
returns 10,17
